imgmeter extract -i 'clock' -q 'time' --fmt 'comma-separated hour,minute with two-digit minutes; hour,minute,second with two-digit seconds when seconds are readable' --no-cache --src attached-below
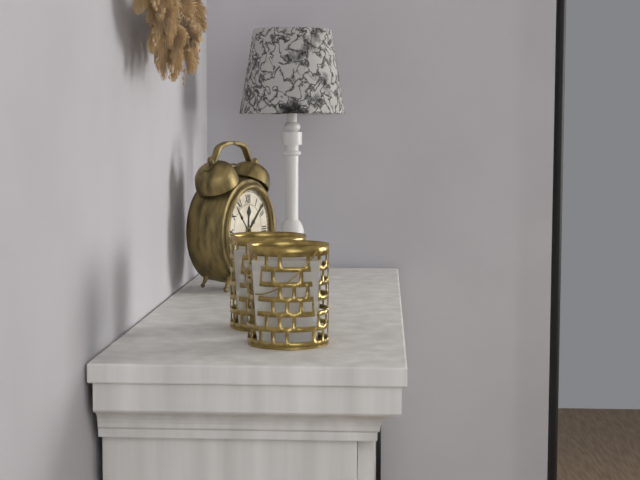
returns 12,08
